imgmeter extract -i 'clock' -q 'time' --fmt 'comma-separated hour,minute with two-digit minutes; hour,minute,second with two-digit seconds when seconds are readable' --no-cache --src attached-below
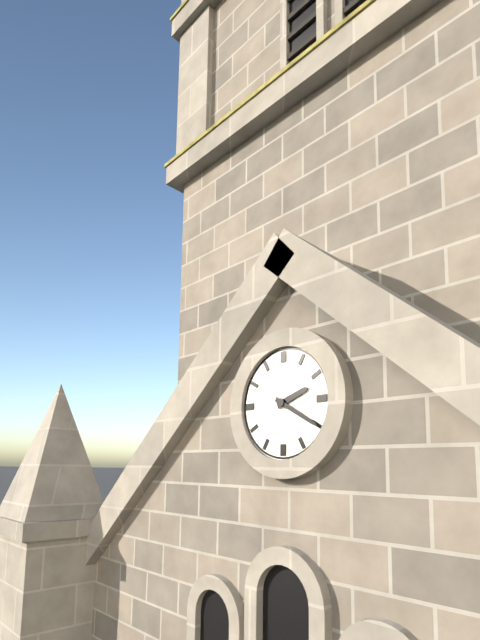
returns 2,20
